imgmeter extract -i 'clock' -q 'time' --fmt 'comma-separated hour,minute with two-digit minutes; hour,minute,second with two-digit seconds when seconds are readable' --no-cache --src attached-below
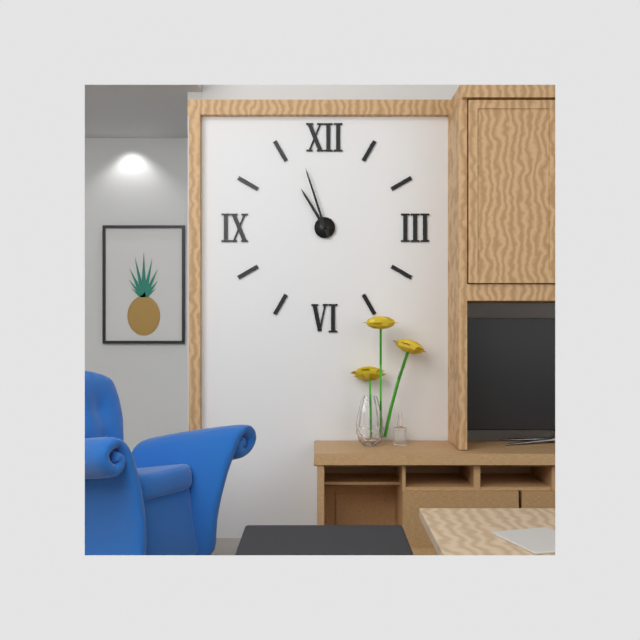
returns 10,57
